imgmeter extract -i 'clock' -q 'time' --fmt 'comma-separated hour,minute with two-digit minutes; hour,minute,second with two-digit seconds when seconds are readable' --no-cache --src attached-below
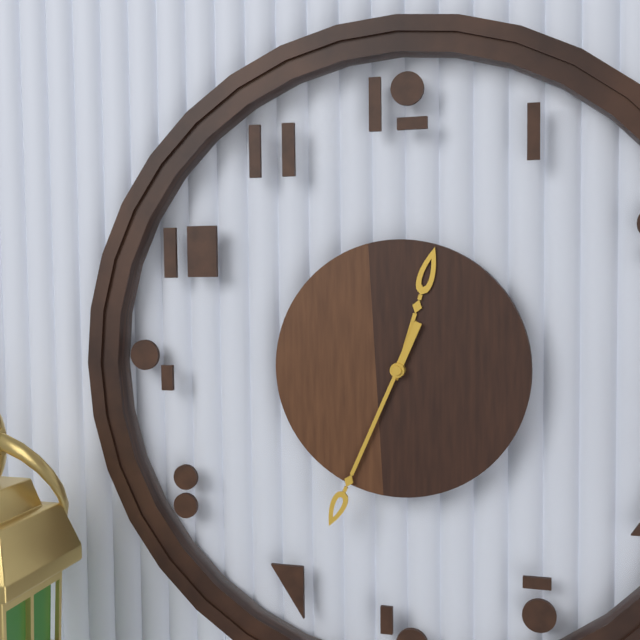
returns 12,34
